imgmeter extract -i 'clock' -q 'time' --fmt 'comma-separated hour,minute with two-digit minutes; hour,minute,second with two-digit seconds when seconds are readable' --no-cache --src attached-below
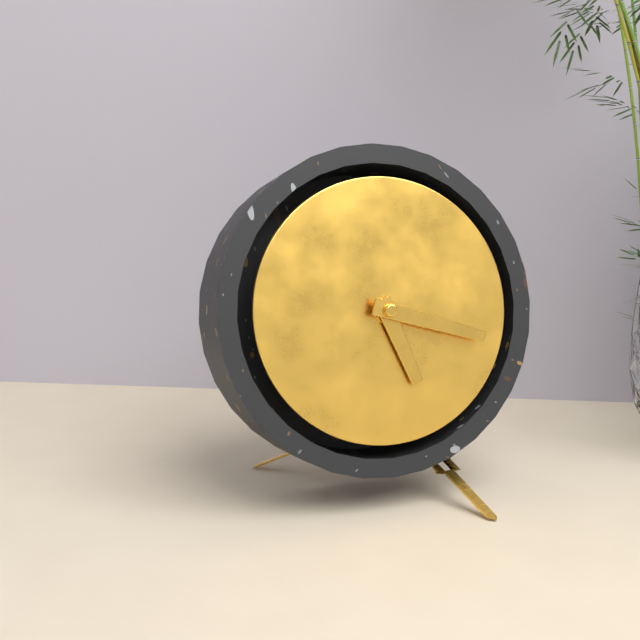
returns 5,18
